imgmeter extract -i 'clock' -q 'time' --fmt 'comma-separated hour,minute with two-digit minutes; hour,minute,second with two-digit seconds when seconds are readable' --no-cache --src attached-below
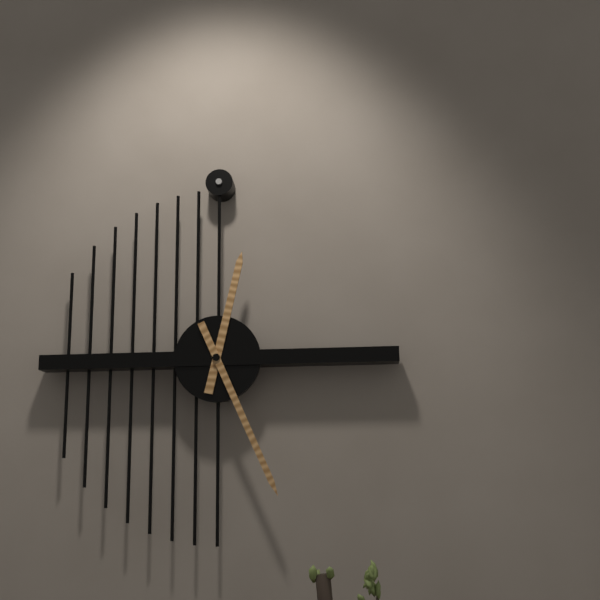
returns 12,26
